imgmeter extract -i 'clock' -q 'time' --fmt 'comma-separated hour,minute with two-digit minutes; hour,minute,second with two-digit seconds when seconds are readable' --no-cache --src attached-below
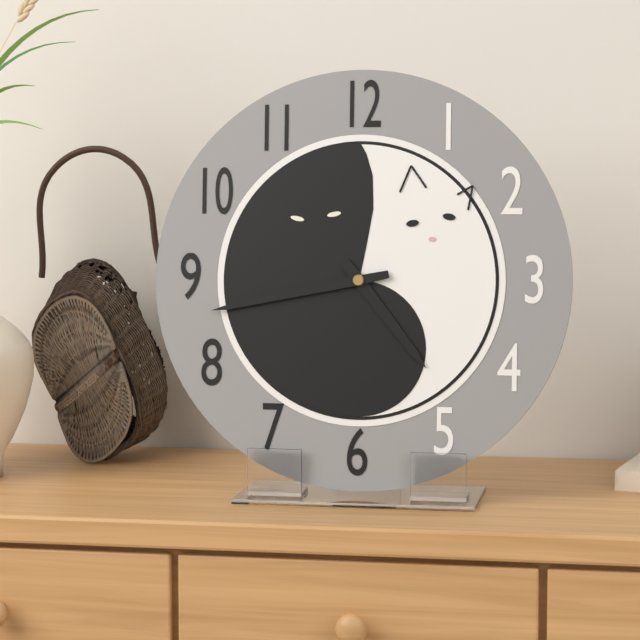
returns 4,43
